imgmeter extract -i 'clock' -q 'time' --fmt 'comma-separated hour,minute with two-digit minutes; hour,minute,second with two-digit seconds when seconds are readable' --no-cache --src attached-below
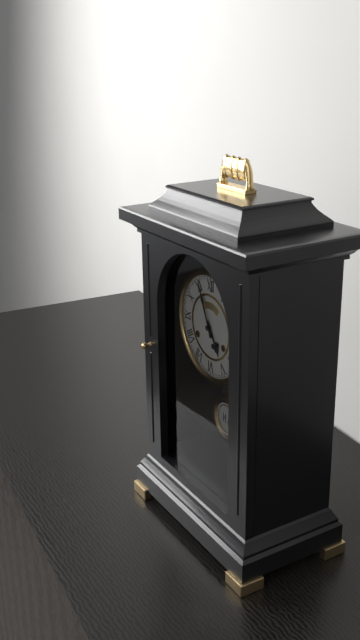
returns 4,56
